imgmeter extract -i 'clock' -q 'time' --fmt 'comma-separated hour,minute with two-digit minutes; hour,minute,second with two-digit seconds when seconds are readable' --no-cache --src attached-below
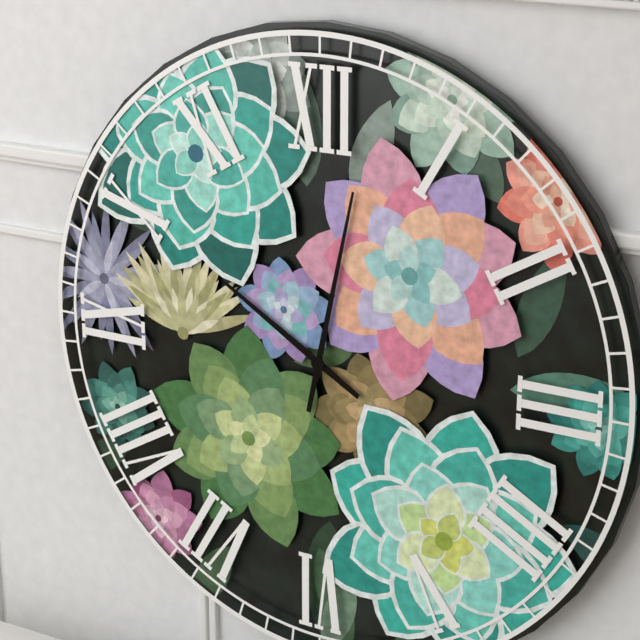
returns 10,02
